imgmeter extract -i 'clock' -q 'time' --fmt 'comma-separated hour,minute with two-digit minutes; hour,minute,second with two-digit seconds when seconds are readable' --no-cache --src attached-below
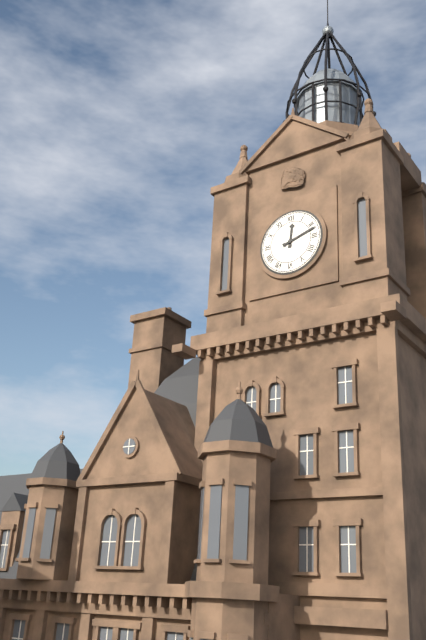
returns 12,12
